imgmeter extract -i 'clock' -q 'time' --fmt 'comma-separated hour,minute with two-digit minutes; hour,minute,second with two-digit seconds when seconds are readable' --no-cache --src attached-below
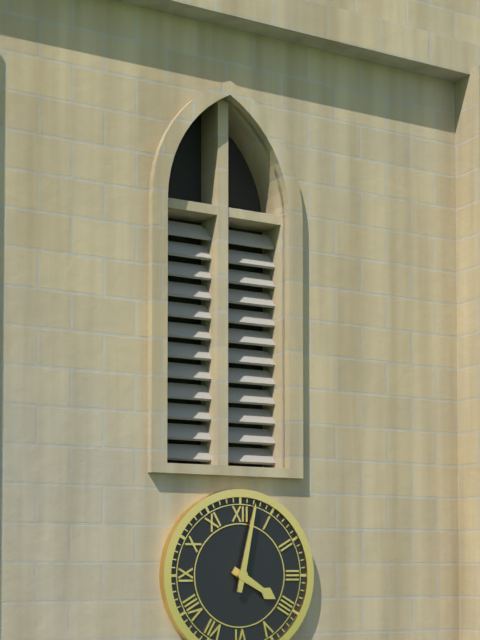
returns 4,02
